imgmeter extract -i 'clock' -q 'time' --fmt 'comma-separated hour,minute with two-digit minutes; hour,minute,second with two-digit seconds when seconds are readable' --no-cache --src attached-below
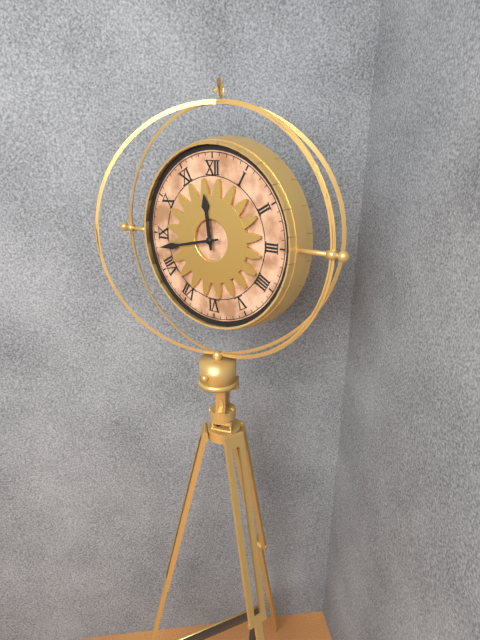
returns 11,43
